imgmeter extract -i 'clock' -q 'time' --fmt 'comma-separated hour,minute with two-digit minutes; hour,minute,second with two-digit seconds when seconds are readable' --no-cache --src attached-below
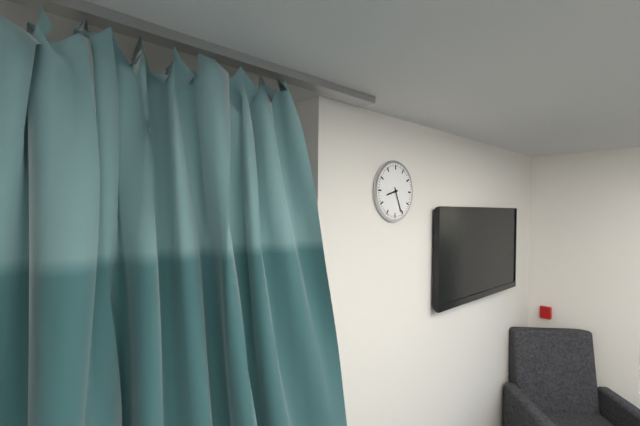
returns 8,26
